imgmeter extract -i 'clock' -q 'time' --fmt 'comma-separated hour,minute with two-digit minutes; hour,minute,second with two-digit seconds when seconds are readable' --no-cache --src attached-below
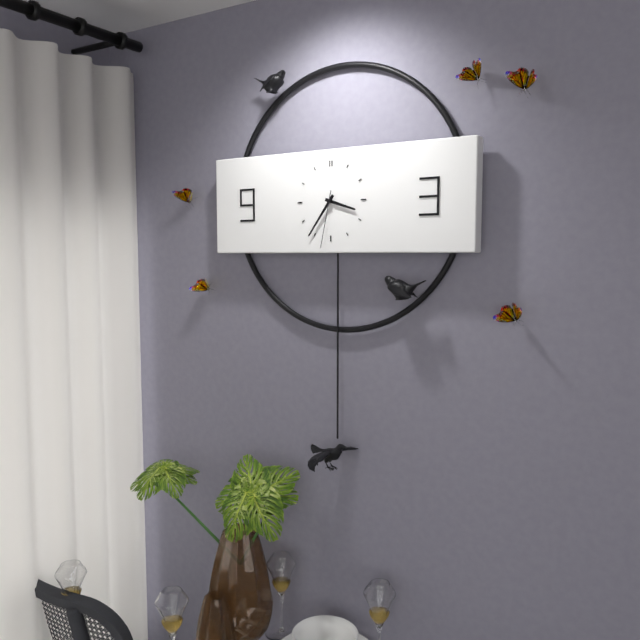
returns 3,36,32
